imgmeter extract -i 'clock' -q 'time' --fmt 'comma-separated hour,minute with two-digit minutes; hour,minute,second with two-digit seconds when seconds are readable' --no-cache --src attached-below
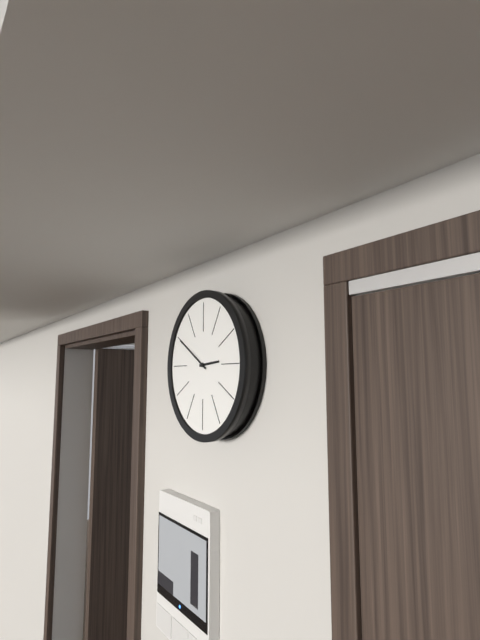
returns 2,50
